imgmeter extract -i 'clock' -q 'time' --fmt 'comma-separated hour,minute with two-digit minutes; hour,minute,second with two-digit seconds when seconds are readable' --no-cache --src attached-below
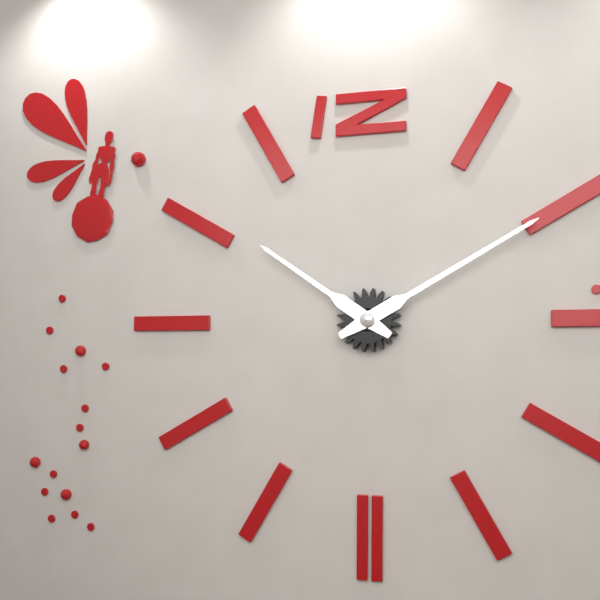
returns 10,10
